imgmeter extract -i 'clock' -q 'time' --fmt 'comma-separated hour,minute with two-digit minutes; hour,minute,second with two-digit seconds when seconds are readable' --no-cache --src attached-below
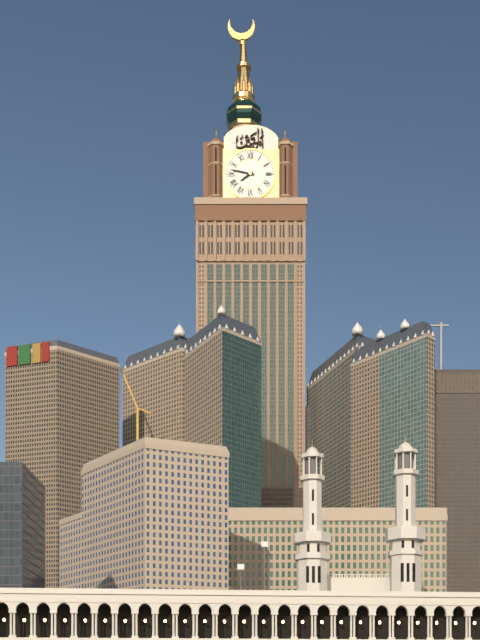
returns 7,47
